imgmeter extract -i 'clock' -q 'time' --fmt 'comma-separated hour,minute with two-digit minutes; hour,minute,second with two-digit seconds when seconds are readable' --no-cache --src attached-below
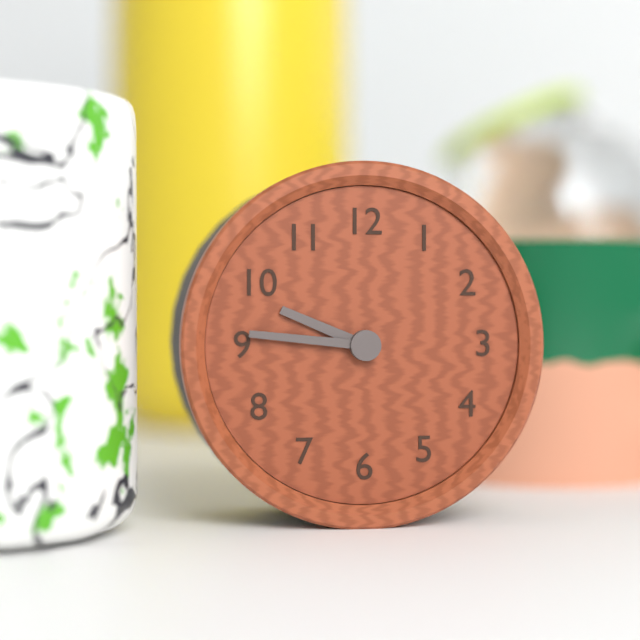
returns 9,46
